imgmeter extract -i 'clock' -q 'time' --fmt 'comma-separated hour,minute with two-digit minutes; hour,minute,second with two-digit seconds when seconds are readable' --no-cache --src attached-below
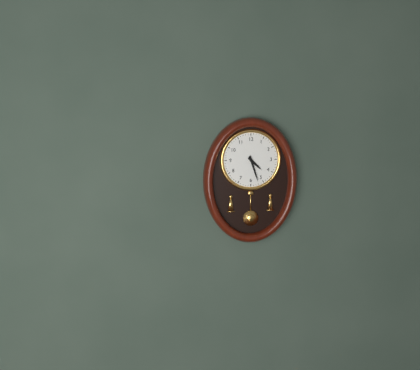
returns 4,27
